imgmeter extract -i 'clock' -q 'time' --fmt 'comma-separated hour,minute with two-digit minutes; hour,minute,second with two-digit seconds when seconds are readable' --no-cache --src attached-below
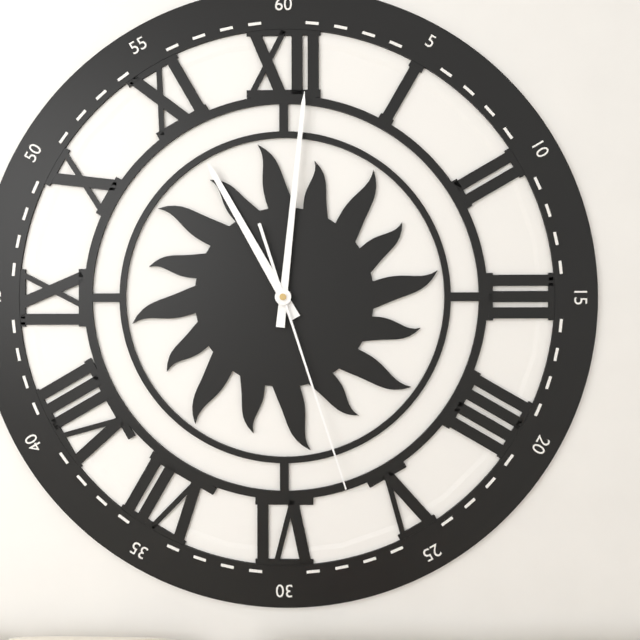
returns 11,01,27
